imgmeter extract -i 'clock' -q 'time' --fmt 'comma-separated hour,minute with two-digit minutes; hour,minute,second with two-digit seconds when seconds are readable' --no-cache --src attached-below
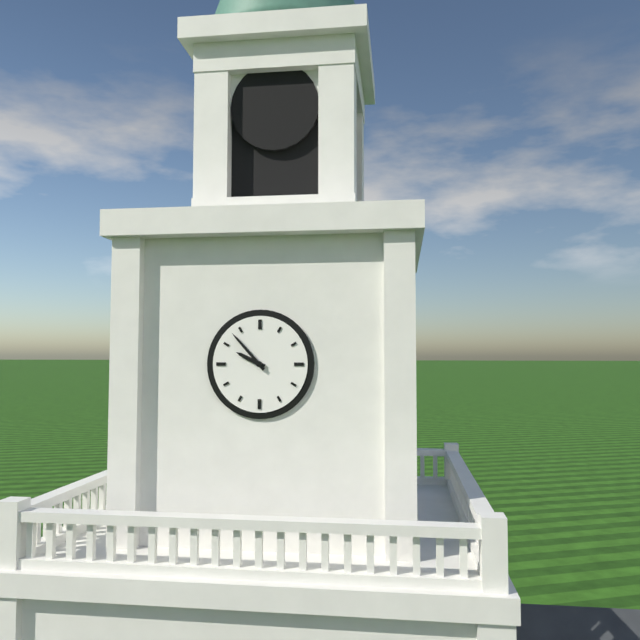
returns 9,53
